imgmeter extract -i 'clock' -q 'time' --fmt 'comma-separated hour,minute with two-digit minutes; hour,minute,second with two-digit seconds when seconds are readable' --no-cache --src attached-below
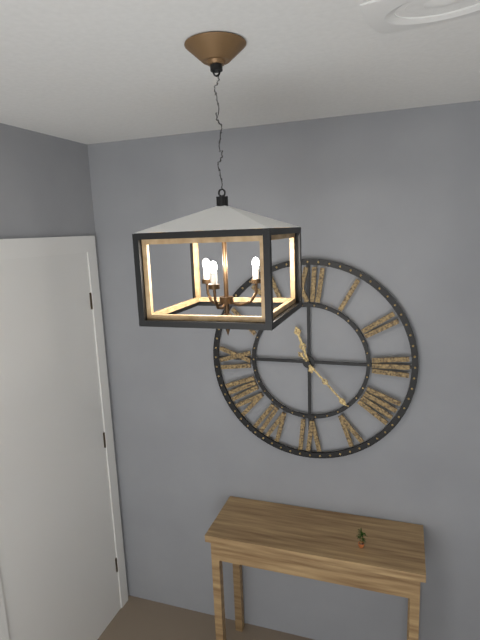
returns 11,23
